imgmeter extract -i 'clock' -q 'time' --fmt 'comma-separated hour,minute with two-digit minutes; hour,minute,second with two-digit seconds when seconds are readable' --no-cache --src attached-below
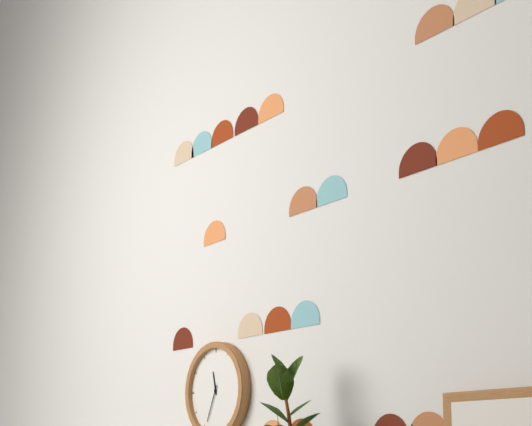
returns 11,34
